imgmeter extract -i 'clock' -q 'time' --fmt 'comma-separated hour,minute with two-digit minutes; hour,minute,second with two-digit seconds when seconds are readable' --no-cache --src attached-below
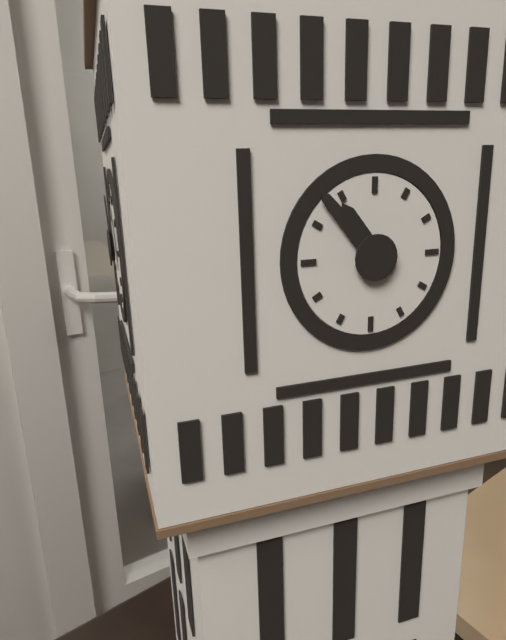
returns 10,53
